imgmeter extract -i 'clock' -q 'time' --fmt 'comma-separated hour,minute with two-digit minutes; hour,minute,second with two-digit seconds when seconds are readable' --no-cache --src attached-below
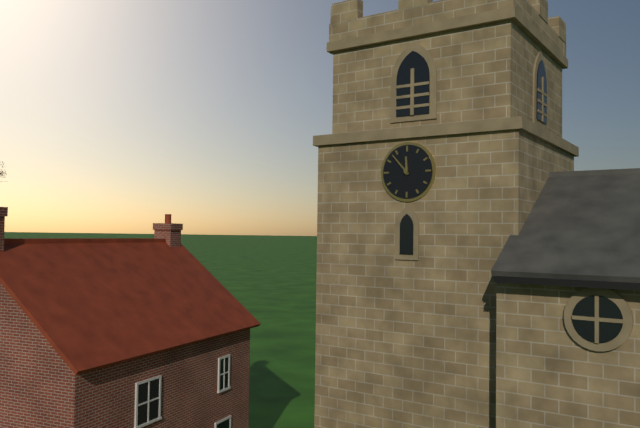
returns 11,53
